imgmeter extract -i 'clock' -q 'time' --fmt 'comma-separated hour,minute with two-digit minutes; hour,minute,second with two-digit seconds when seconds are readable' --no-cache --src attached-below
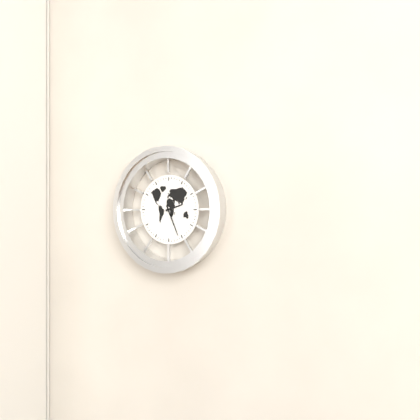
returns 2,26
